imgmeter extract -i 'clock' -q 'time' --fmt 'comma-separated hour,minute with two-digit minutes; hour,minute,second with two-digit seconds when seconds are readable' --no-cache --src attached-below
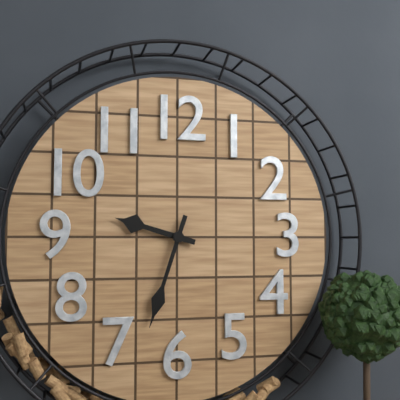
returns 9,33
